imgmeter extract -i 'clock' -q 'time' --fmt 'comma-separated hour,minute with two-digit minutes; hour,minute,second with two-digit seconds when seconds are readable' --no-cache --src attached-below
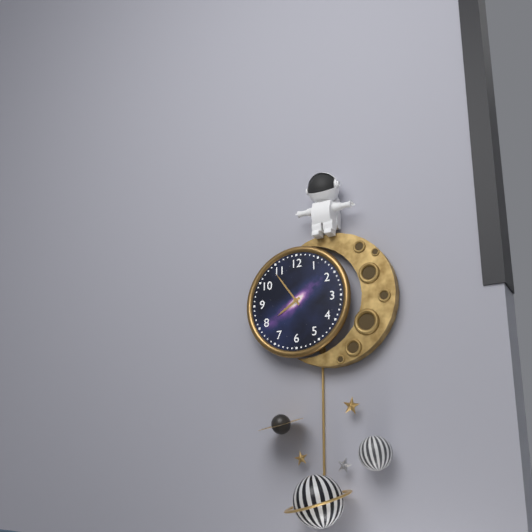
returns 7,54
